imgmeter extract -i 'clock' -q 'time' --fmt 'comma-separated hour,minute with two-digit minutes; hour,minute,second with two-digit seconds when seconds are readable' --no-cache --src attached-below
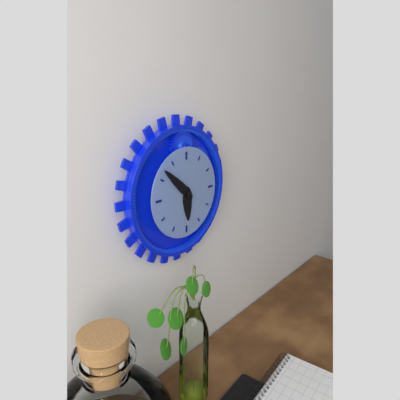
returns 5,52
